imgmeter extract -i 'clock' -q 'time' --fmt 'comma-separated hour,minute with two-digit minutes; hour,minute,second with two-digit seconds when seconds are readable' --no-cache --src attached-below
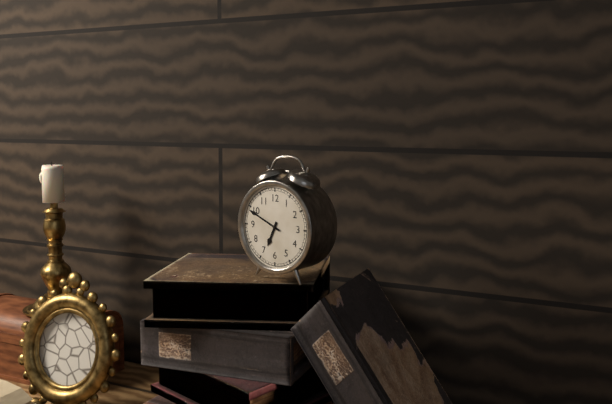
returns 6,49
